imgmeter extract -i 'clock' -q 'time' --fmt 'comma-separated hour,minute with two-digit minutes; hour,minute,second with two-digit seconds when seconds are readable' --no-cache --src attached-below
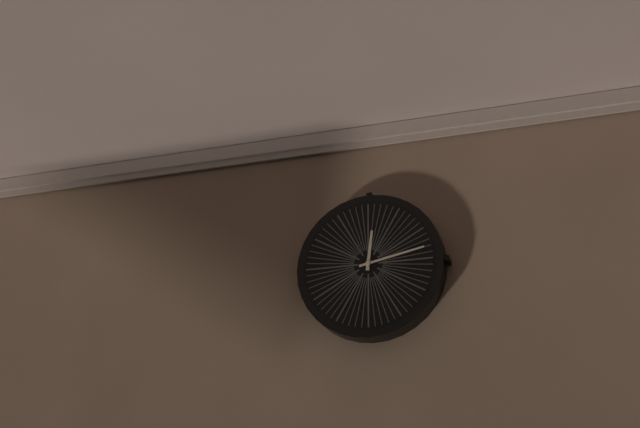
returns 12,13
